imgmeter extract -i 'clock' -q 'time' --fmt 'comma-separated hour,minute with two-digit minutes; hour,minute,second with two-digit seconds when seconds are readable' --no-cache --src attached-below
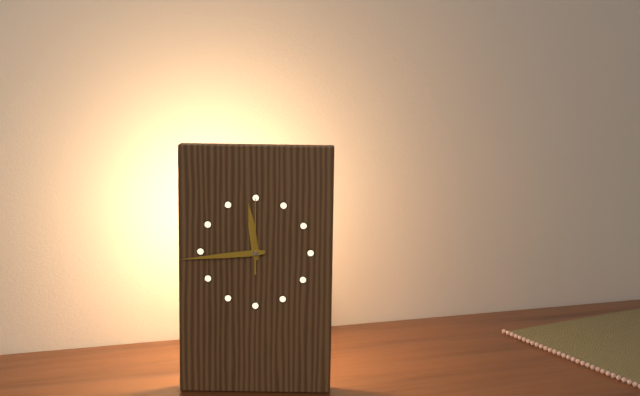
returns 11,44,00
